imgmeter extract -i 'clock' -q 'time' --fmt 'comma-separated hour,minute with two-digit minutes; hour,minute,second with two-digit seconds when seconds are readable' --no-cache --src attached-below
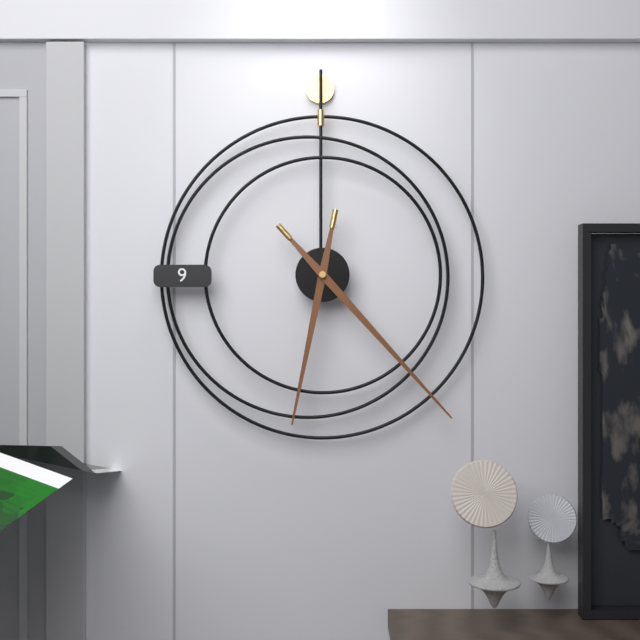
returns 6,23
